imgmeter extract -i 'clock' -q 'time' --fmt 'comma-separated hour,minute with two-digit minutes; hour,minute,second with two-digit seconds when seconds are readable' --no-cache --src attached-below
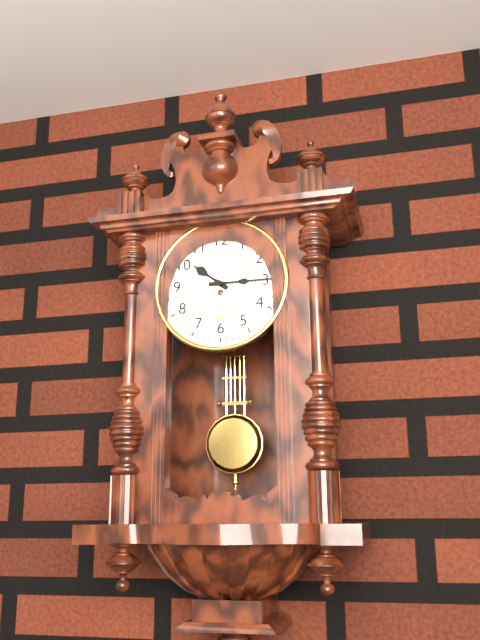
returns 10,15
